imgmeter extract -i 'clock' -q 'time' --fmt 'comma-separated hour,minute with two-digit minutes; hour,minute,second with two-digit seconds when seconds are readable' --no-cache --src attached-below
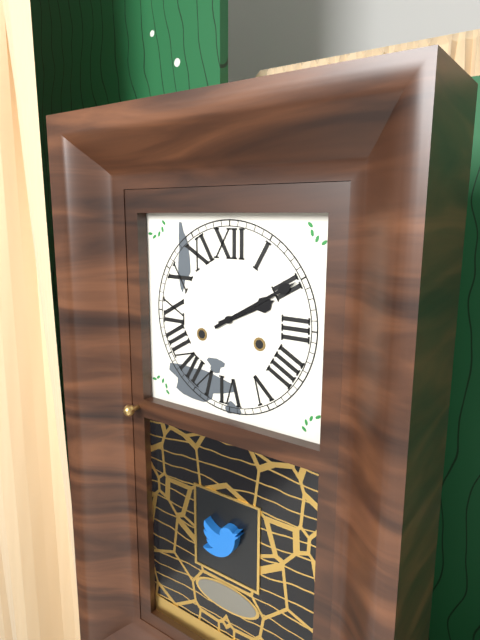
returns 2,10
